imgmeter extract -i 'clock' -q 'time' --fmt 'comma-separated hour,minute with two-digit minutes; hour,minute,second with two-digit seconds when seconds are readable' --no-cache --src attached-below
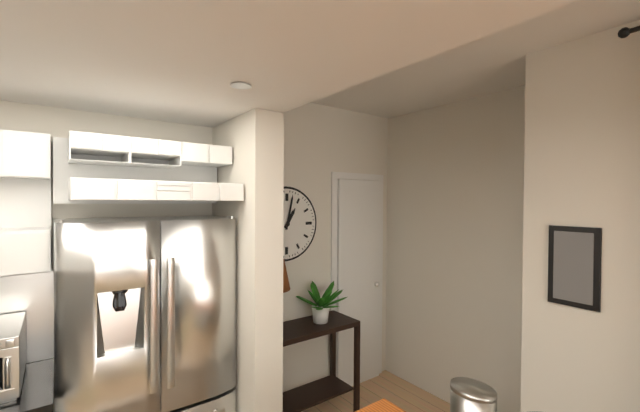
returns 1,02
